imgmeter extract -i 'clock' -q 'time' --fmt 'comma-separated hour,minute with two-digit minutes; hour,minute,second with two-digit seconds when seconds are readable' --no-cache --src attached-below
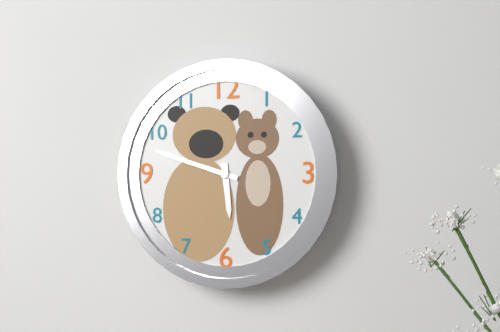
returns 5,48
